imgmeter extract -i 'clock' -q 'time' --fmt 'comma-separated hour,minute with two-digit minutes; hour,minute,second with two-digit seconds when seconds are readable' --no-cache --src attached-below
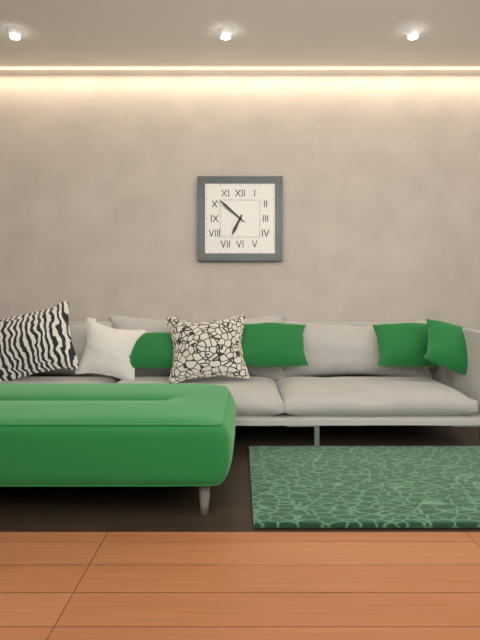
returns 6,52
